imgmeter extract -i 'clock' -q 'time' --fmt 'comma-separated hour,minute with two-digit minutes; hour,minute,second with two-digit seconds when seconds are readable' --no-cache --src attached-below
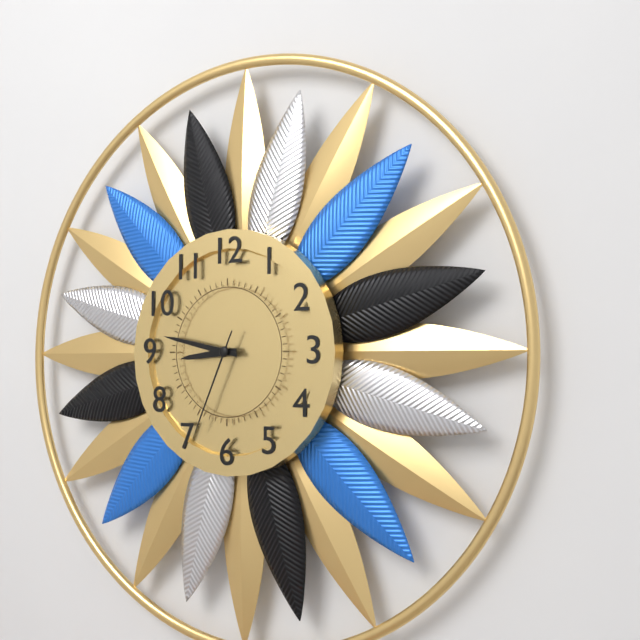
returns 8,47,34
